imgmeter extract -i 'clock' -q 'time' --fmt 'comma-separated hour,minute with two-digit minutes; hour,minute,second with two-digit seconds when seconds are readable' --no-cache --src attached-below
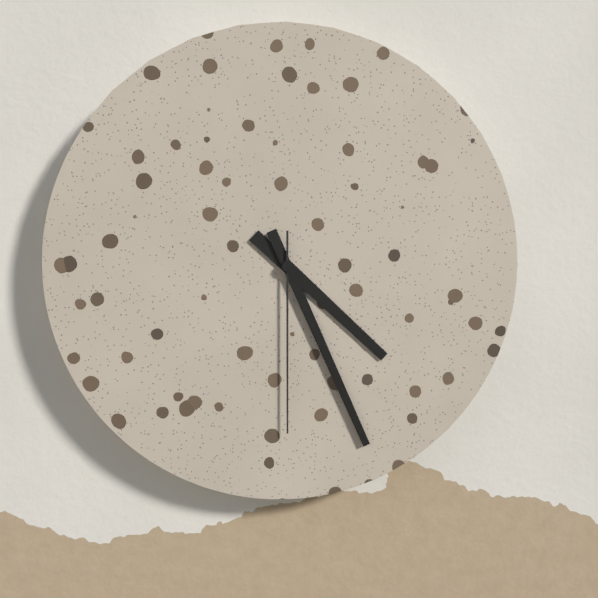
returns 4,26,30
